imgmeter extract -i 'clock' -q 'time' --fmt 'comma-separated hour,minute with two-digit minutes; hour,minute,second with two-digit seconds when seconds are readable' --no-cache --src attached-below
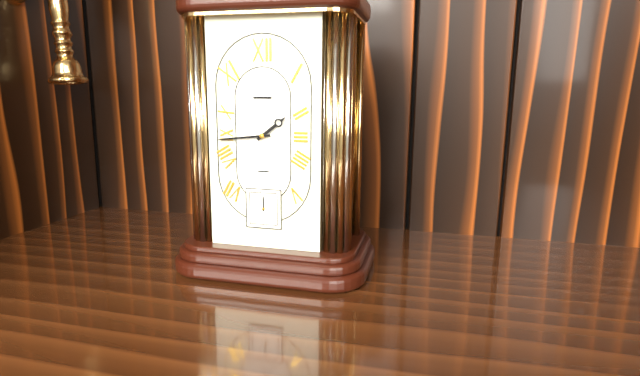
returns 1,44
